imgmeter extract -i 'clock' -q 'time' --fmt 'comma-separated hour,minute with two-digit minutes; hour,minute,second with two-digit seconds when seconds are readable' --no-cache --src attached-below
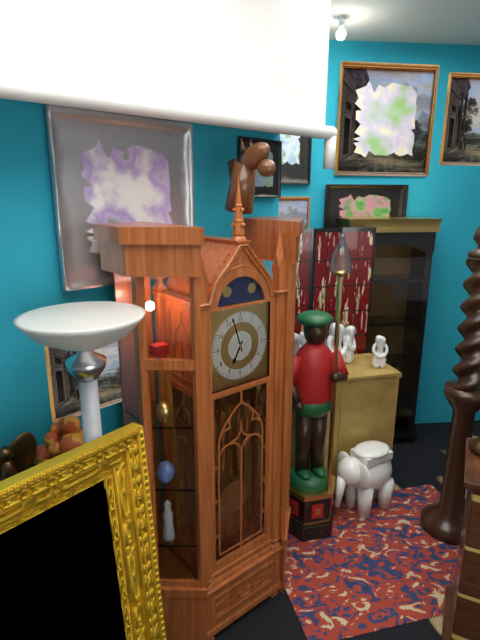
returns 6,57
